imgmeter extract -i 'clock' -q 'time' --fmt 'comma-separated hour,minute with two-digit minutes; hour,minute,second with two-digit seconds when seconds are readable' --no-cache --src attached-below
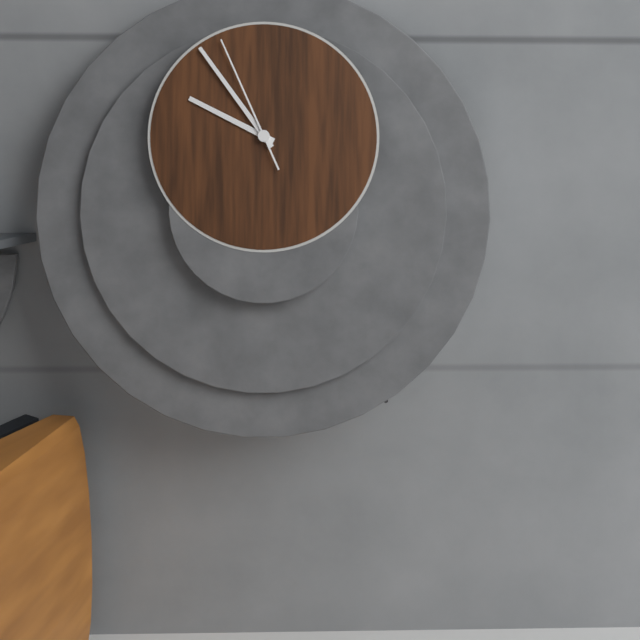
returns 9,54,56
